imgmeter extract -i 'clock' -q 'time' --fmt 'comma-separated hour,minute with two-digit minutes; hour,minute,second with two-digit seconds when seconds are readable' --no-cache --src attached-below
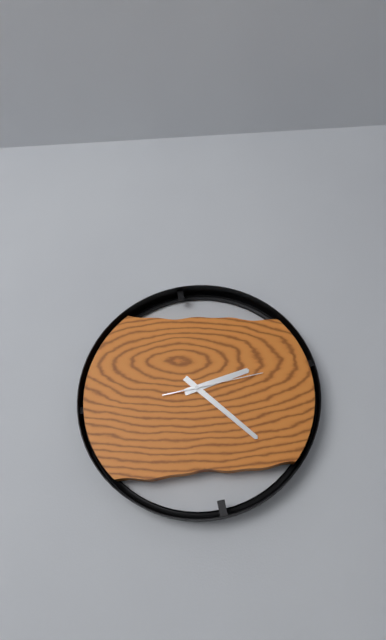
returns 2,22,13
